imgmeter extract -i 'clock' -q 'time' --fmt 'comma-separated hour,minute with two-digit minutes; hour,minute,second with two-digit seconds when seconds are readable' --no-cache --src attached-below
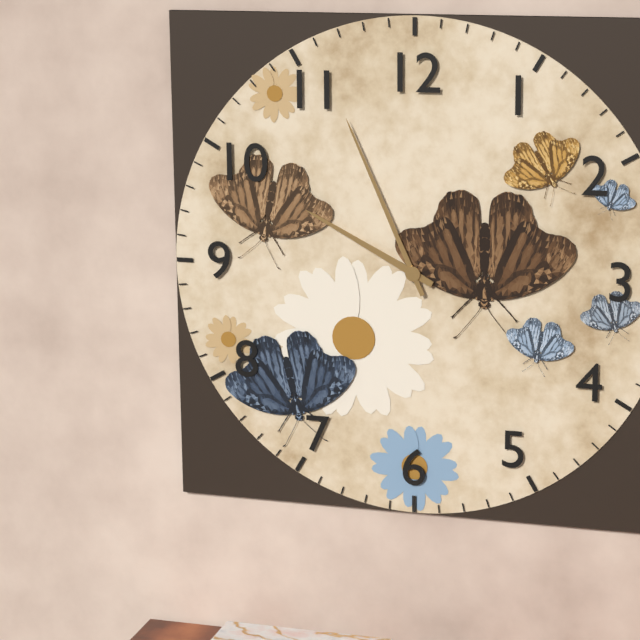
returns 9,56
